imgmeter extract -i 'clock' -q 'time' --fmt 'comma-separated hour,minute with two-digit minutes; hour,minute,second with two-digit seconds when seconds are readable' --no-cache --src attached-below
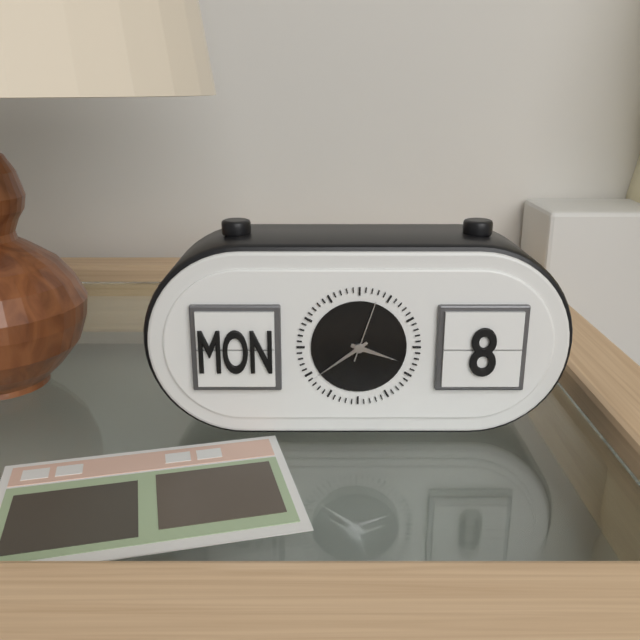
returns 3,39,03
